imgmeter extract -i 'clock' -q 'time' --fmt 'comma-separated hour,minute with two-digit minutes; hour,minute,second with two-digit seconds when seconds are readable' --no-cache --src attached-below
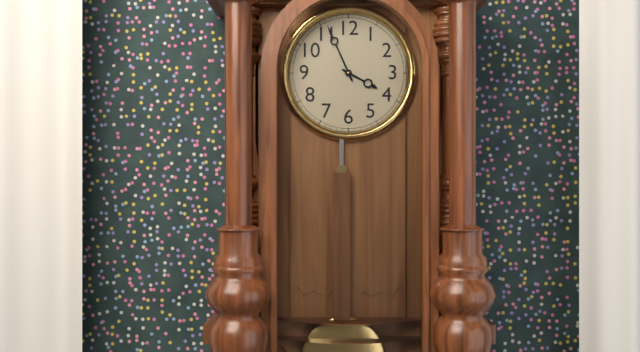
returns 3,56
